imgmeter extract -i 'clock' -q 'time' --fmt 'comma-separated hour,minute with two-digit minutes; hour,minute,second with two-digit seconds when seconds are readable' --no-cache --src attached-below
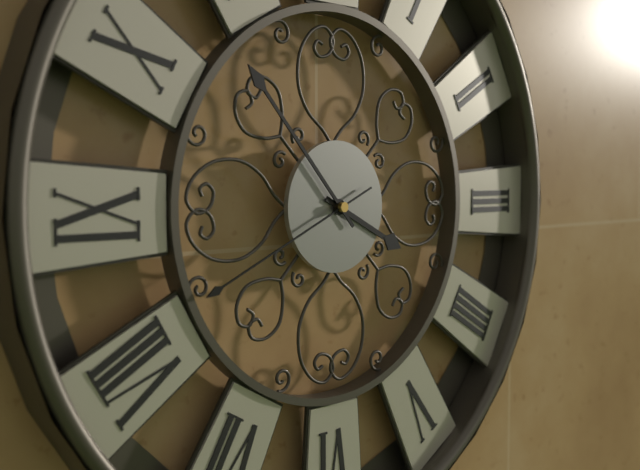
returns 3,53,41
